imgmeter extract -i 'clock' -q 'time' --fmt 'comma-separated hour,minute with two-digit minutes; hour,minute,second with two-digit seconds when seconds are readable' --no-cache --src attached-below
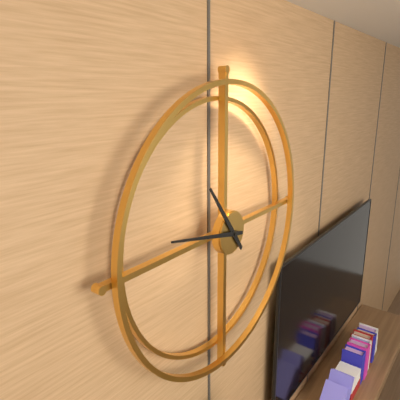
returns 10,47
